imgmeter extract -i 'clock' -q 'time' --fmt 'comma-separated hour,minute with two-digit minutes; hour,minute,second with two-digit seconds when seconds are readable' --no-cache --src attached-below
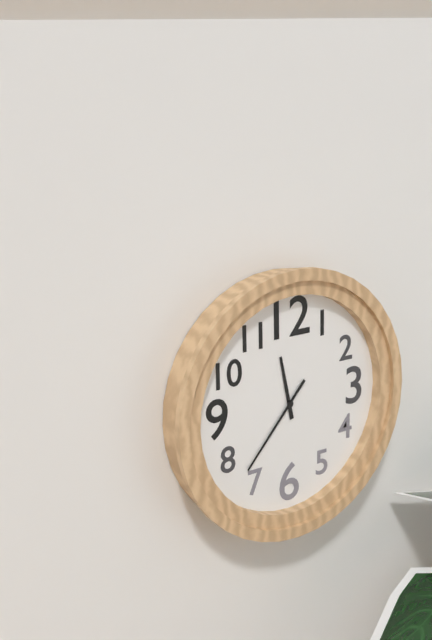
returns 11,37
